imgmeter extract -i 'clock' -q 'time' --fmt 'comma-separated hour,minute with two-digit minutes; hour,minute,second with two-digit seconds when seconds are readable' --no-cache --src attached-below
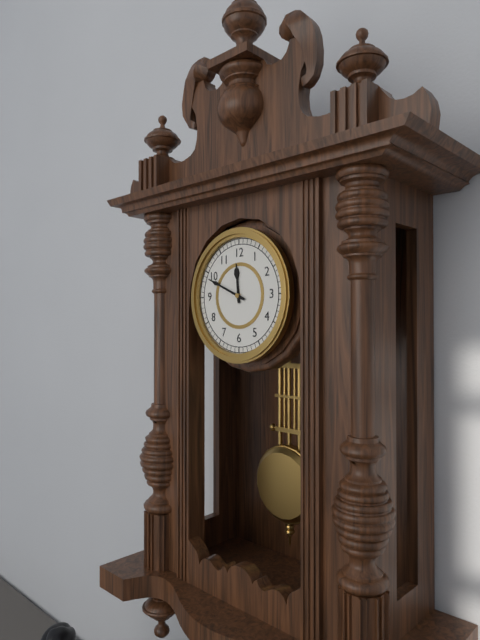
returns 11,49
